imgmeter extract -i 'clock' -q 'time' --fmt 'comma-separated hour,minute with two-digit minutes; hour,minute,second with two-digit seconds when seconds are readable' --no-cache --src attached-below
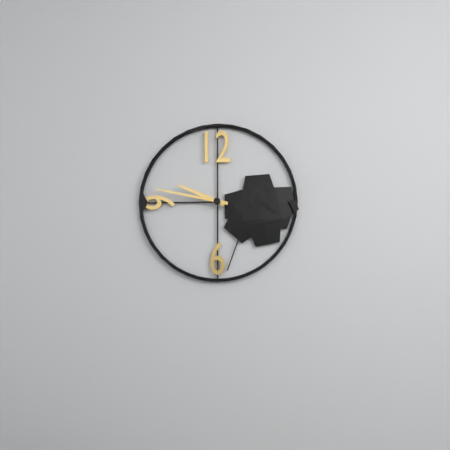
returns 9,47
